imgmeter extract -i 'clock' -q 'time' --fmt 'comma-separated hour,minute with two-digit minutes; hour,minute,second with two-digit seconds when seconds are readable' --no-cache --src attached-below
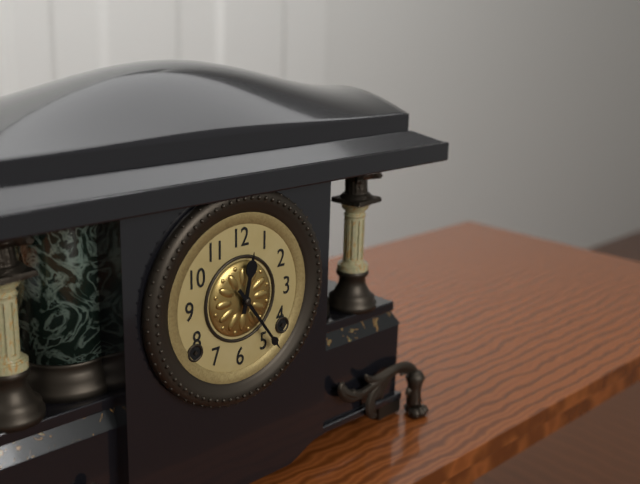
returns 12,24
